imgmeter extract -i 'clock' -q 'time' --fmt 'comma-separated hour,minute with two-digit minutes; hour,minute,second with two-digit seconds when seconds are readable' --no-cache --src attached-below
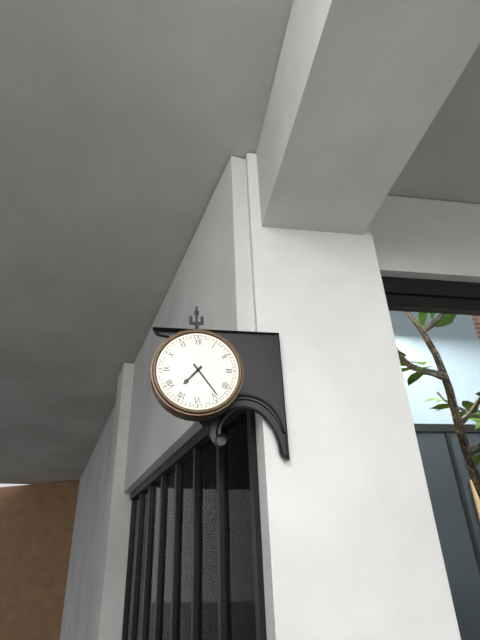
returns 7,24
